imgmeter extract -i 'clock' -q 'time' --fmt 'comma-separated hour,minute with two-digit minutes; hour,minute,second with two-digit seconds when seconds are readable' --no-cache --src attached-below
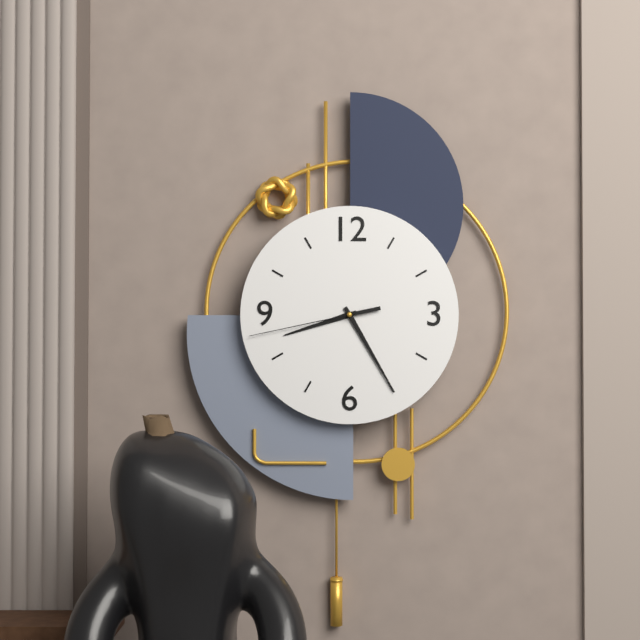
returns 8,25,43
